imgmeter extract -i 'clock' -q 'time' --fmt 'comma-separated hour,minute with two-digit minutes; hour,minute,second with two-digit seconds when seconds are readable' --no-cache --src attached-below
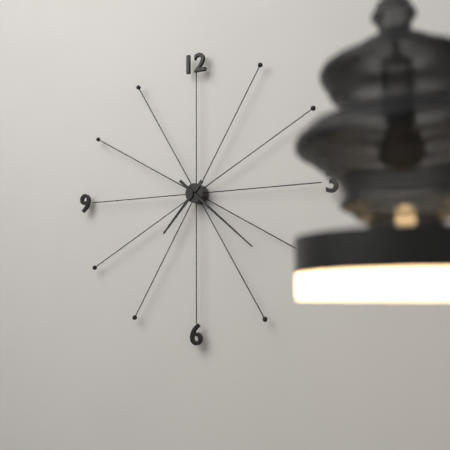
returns 7,22
